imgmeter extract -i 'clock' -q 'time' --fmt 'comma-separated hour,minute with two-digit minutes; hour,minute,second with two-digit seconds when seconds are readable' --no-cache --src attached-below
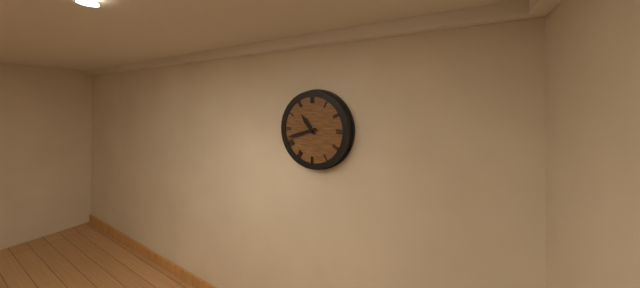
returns 10,42
